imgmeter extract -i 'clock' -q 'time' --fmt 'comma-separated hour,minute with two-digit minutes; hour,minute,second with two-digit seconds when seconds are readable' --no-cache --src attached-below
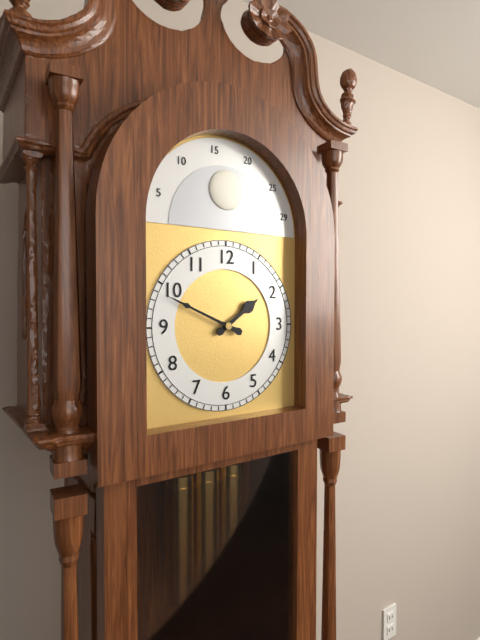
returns 1,49
